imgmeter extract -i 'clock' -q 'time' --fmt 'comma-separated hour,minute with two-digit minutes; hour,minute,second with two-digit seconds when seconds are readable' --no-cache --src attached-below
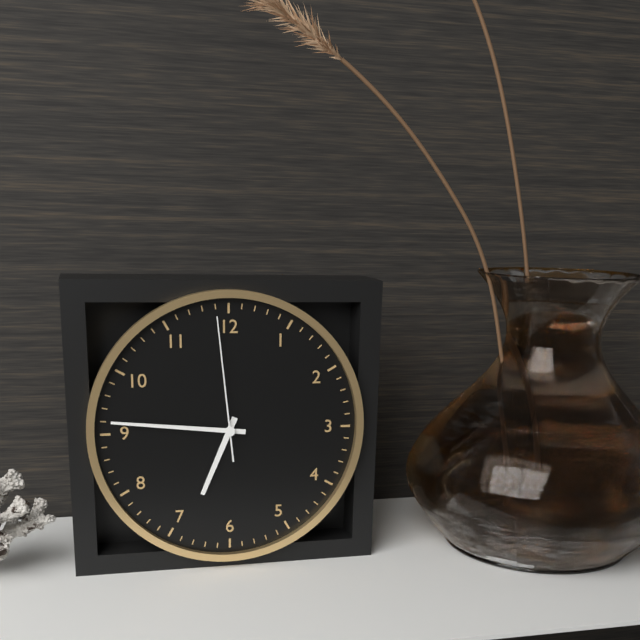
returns 6,46,59
